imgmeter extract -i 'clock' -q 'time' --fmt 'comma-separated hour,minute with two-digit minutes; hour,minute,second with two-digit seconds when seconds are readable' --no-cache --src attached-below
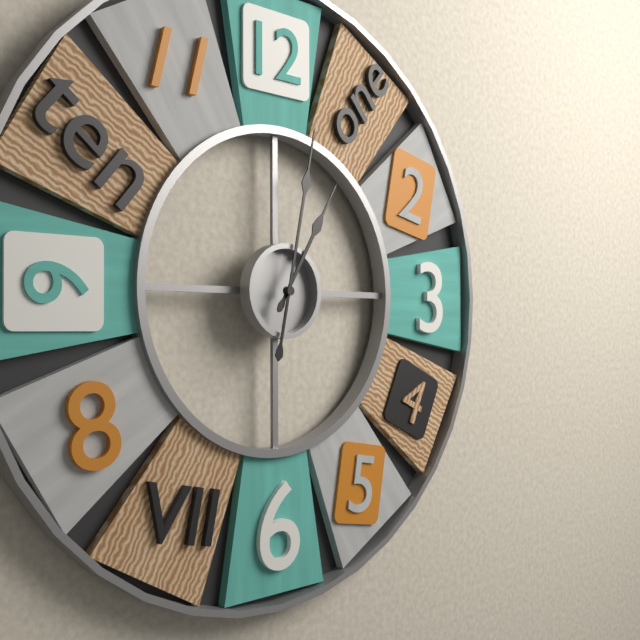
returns 1,02
